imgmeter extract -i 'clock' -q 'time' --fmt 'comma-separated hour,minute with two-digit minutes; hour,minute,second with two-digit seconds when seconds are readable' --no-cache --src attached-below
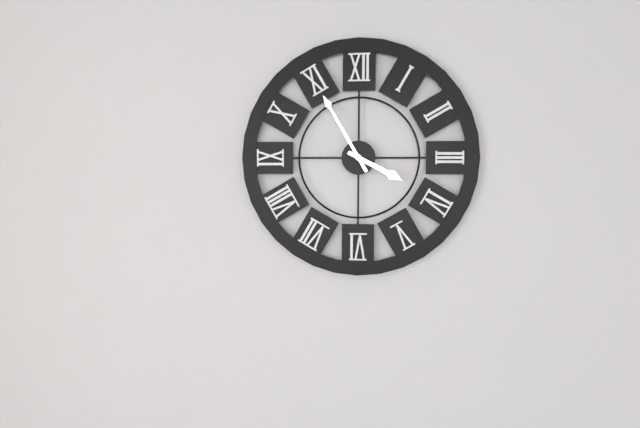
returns 3,55
